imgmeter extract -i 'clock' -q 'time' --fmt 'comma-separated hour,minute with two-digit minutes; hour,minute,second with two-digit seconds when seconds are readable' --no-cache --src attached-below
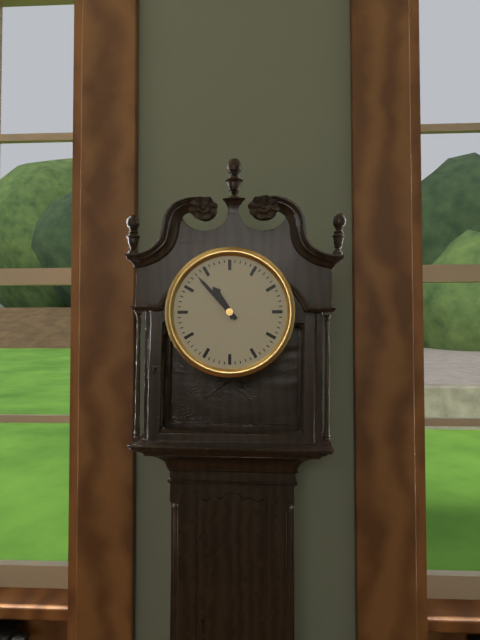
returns 10,53
